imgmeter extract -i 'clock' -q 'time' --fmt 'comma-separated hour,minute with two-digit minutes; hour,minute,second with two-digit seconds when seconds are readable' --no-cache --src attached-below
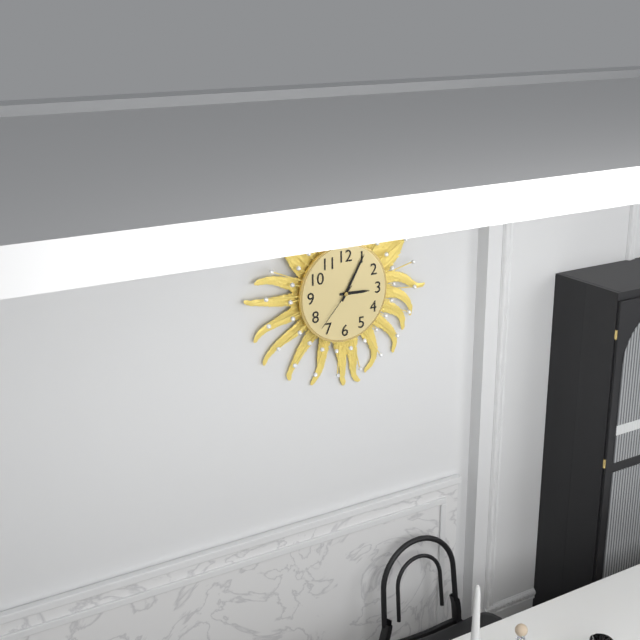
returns 3,05,37
